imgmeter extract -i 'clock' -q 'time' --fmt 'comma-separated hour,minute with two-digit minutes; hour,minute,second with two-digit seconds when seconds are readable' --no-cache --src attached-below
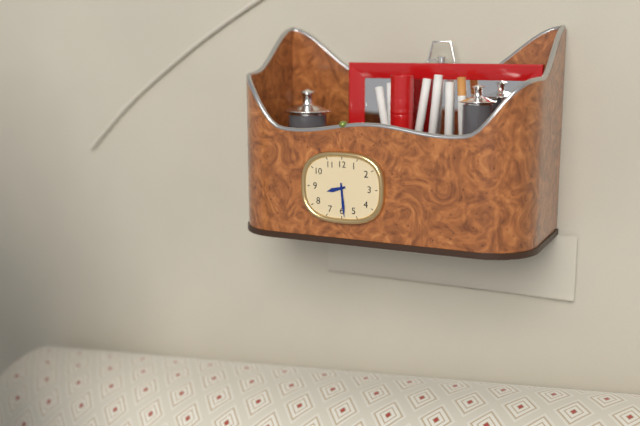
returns 8,29
